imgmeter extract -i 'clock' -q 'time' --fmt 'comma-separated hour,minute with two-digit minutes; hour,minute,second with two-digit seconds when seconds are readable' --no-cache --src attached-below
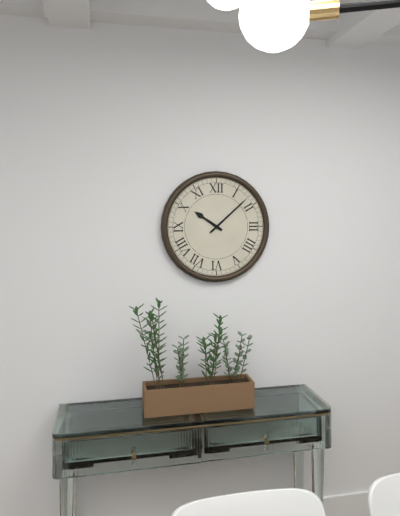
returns 10,08
